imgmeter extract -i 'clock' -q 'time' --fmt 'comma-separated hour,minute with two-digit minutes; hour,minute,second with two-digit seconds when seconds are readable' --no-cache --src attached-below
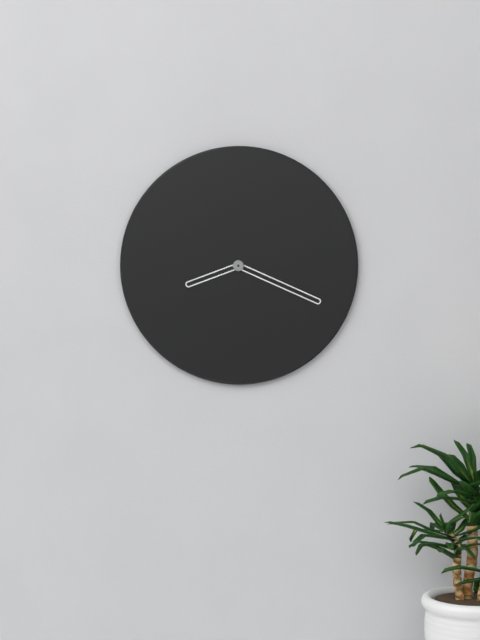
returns 8,19
